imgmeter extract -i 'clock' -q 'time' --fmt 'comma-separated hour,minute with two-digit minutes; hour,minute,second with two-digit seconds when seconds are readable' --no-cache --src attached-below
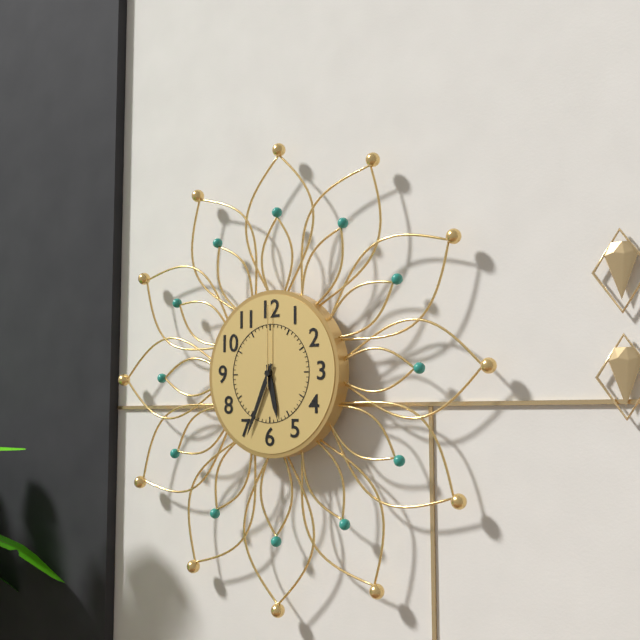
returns 5,34,00
